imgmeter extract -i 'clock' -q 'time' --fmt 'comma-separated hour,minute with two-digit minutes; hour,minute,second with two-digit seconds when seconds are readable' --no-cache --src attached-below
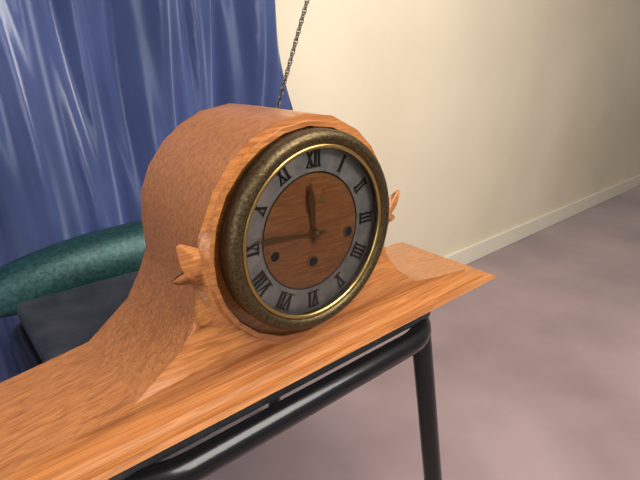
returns 11,46
